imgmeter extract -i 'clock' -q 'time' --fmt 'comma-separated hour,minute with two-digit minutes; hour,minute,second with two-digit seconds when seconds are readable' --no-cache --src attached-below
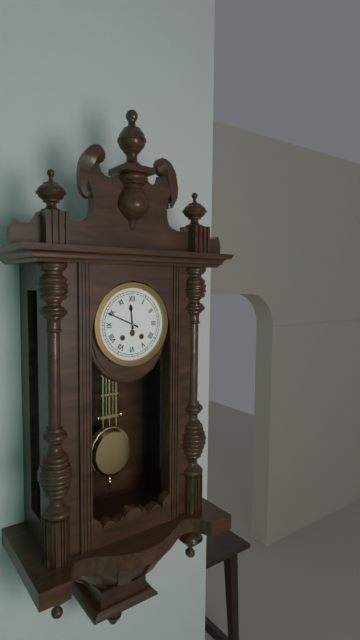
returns 11,49
